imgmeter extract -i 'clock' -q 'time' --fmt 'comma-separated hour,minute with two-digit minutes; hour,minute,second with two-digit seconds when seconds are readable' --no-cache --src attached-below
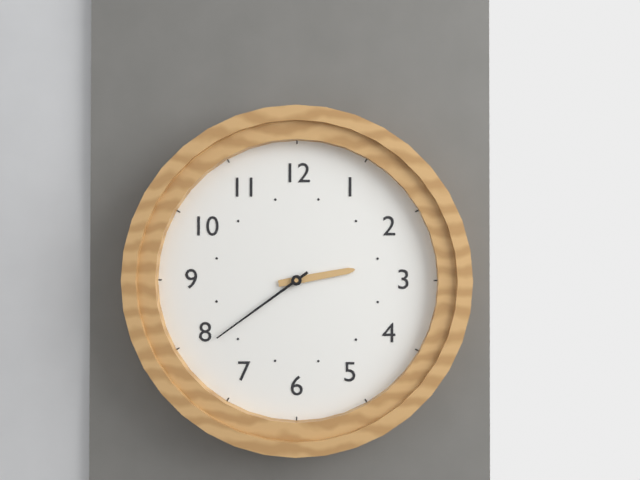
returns 2,39
